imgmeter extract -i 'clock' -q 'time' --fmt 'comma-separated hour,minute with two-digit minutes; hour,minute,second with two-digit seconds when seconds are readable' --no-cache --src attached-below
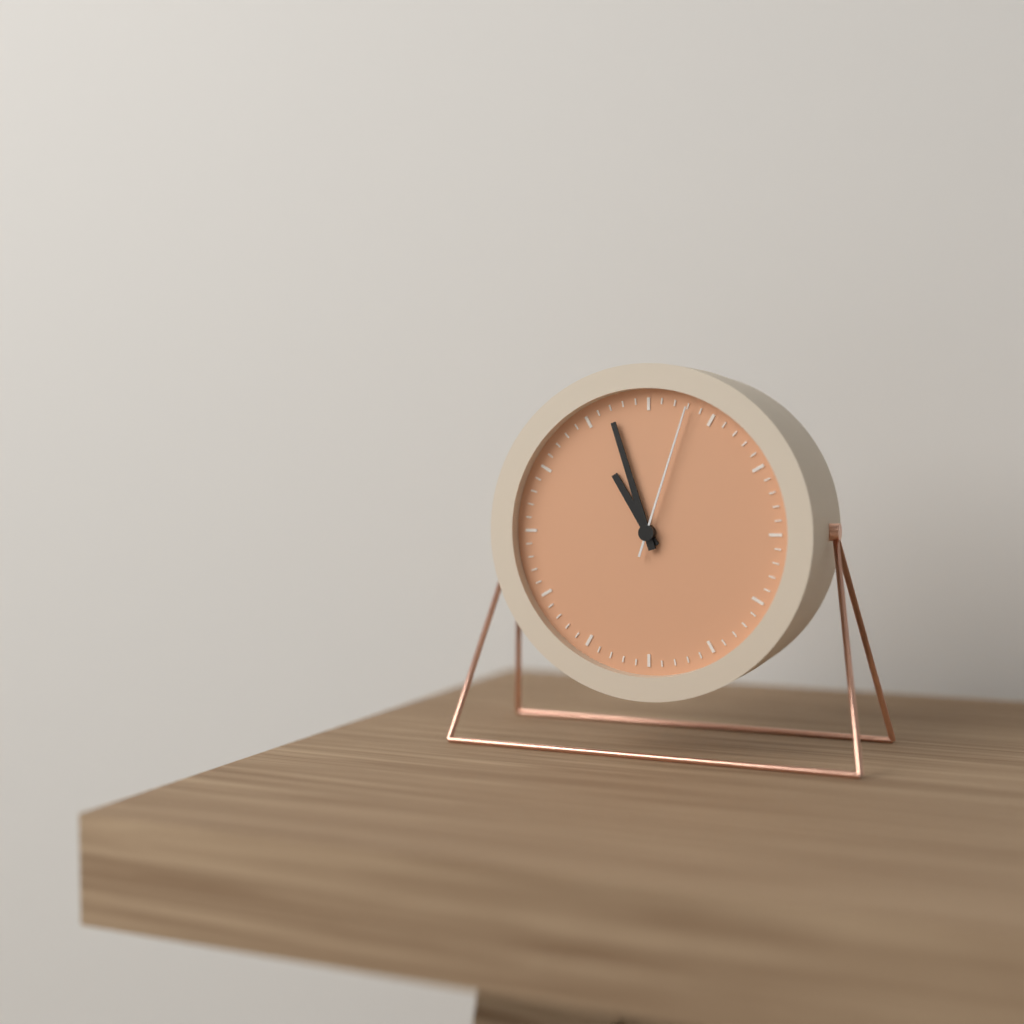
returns 10,57,03
